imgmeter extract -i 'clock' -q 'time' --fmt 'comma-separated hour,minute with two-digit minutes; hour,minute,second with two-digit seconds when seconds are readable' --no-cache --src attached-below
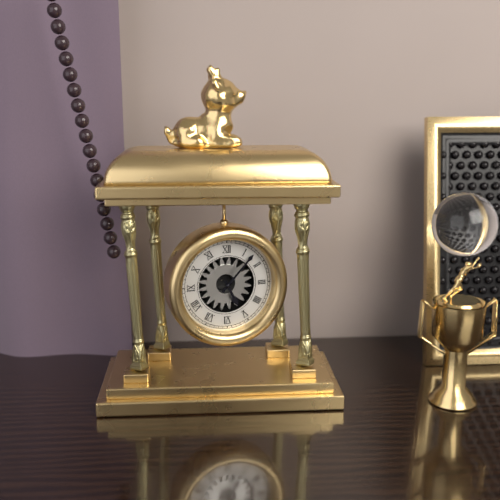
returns 5,07
